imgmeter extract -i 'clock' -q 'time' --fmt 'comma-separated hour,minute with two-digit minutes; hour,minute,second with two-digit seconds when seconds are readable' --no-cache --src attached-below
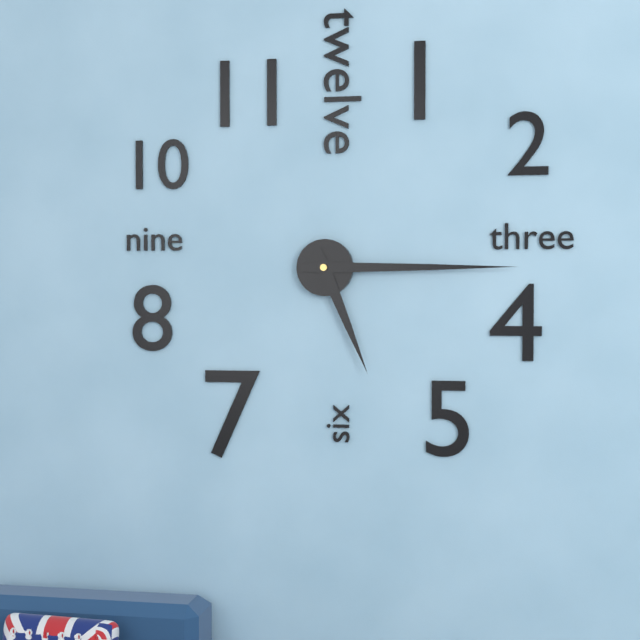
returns 5,15
